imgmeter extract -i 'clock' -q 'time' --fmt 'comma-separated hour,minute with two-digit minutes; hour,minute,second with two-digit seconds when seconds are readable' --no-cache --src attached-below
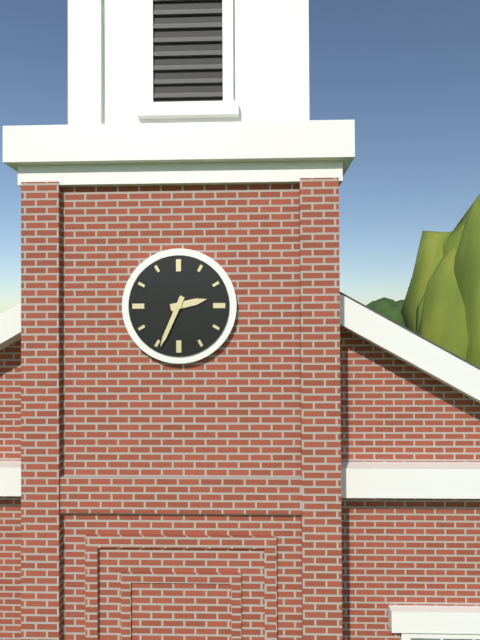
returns 2,34
